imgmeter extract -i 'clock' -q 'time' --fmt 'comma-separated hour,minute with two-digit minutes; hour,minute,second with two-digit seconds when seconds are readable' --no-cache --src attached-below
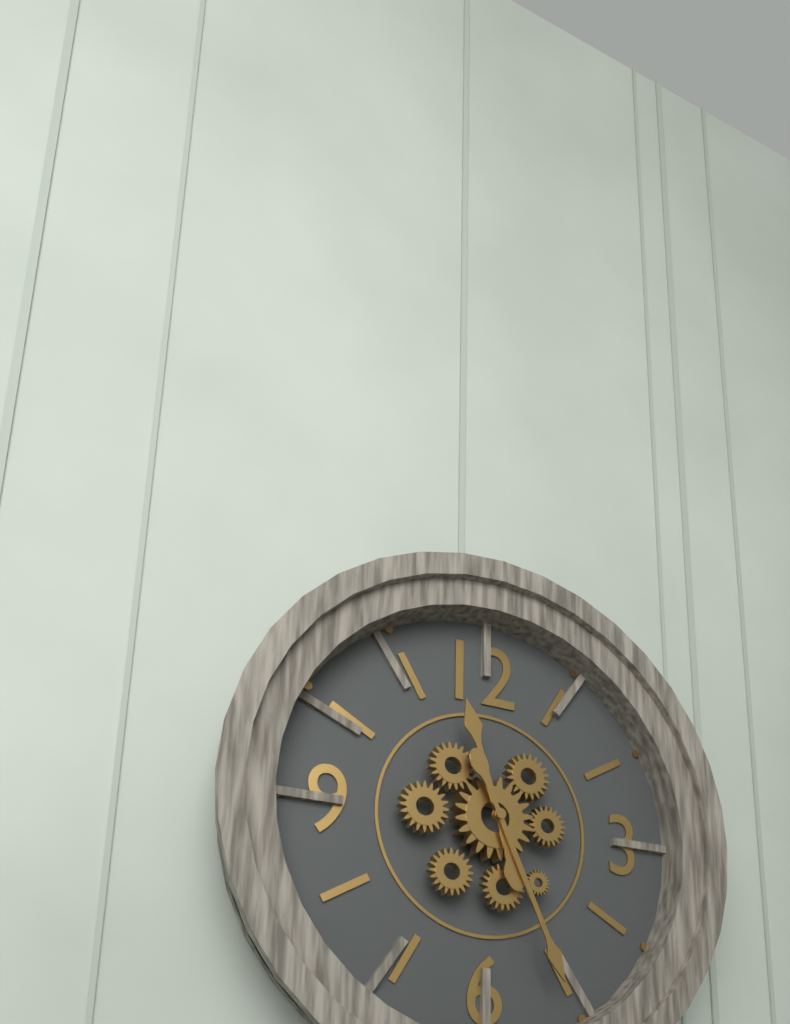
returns 11,26
